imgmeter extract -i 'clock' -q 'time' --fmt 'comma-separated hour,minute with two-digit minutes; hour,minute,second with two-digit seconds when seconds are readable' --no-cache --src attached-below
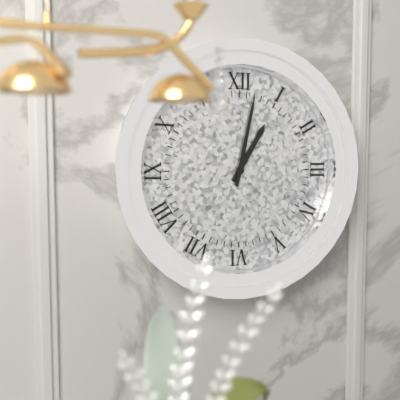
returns 1,02
